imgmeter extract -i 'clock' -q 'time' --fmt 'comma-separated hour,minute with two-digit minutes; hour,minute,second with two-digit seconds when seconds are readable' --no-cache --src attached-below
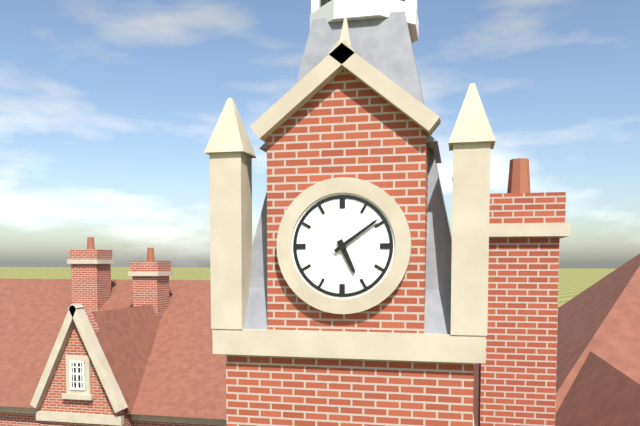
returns 5,09
